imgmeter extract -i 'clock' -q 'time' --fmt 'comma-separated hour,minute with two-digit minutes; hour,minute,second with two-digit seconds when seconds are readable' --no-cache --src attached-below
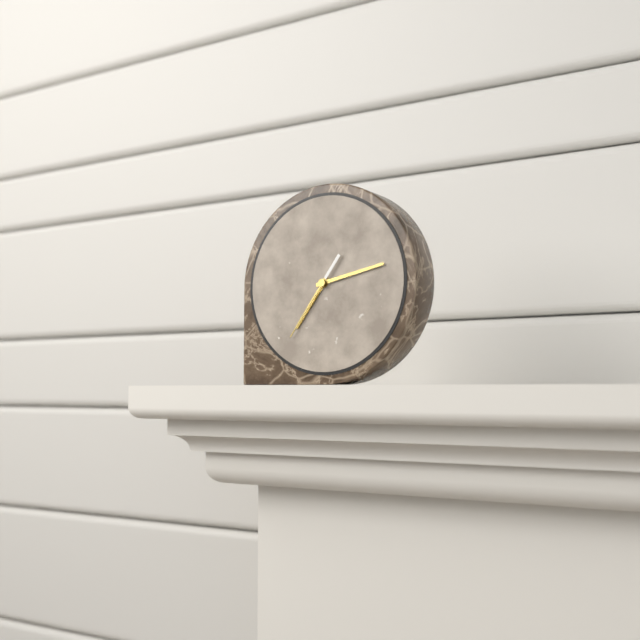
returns 7,13,36
